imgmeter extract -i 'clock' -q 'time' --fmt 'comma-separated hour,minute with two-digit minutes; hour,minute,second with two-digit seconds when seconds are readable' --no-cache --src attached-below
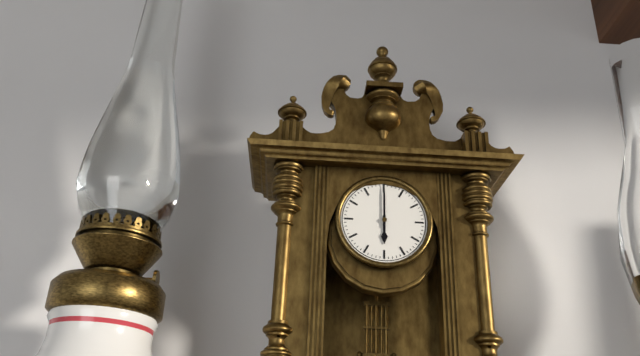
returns 6,00
